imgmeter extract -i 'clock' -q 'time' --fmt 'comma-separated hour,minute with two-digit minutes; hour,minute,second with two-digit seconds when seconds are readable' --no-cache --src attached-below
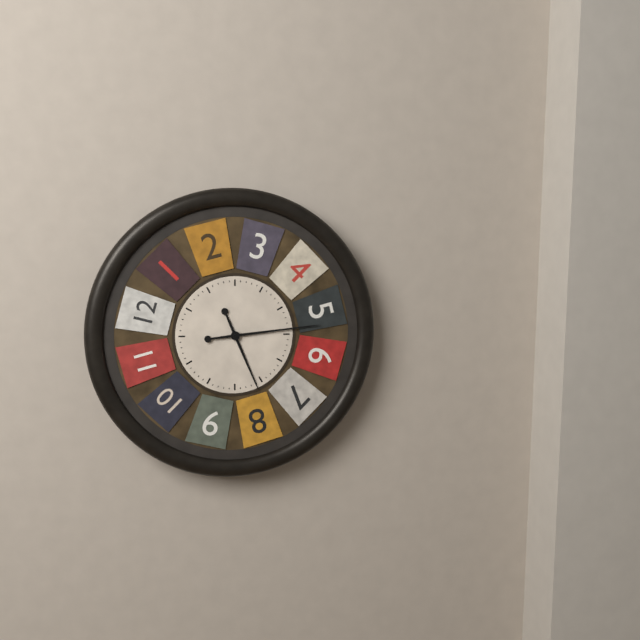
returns 5,14
